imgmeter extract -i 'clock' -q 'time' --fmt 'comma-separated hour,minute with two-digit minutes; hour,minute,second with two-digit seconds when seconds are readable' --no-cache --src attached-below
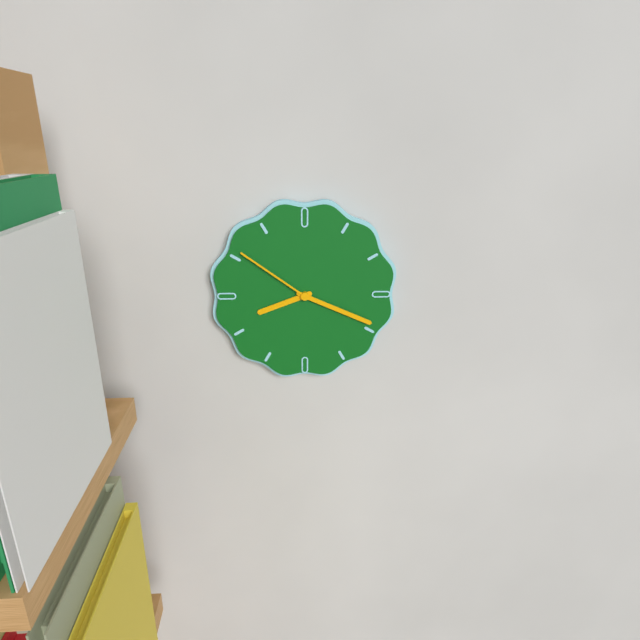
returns 8,19,51
